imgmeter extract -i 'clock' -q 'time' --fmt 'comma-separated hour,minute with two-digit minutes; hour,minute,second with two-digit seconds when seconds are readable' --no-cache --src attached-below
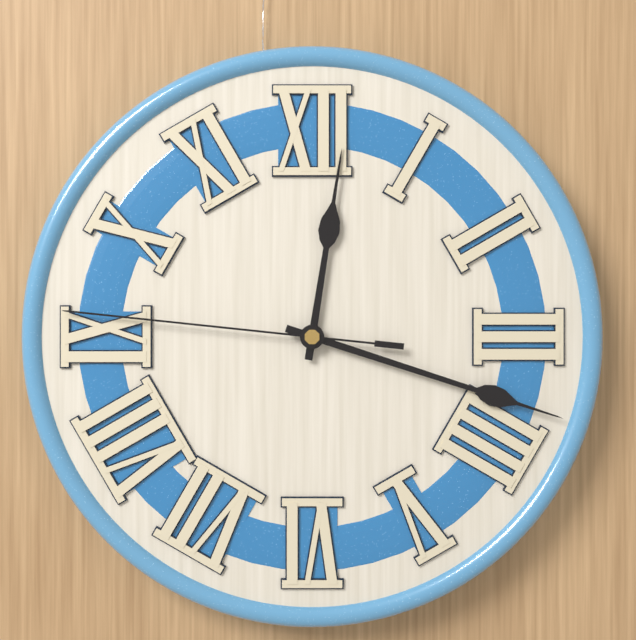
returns 12,18,46
